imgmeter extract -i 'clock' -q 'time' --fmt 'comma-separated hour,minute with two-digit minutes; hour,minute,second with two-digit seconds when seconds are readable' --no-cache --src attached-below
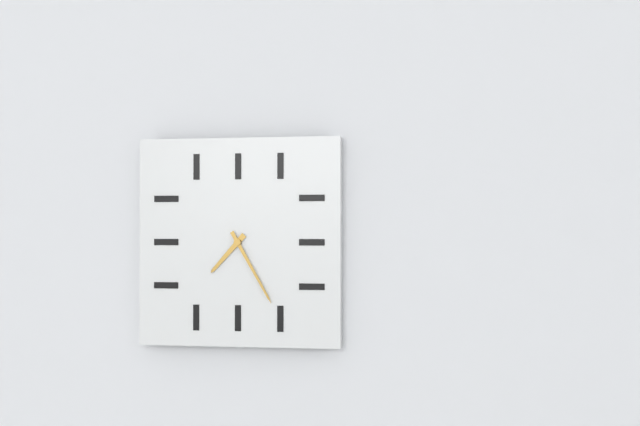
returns 7,25
